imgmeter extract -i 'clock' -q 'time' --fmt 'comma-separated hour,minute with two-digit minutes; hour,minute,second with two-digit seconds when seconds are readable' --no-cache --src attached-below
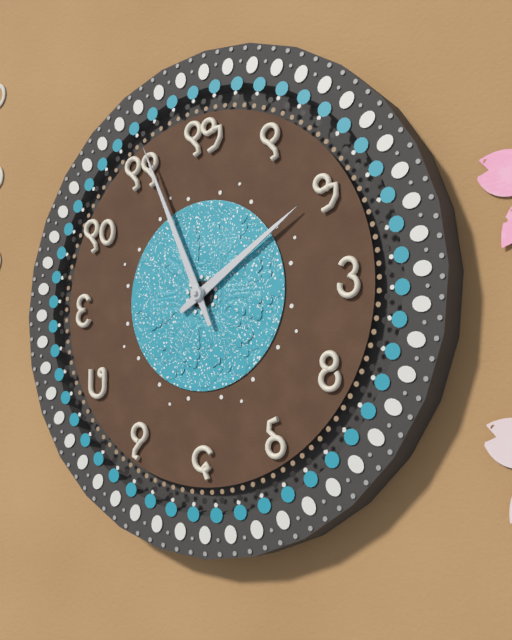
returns 1,56
